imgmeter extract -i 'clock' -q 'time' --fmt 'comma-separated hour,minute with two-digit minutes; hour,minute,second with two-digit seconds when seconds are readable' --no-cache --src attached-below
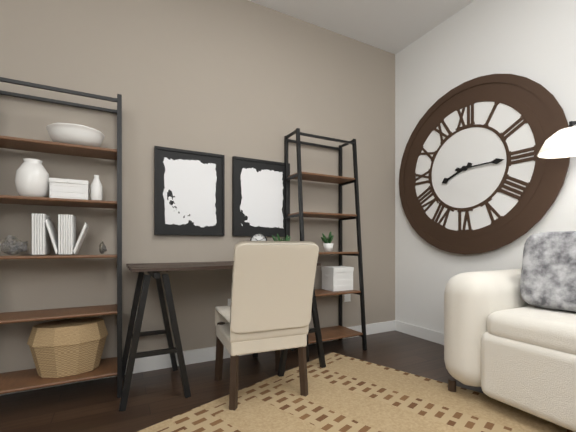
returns 8,15
